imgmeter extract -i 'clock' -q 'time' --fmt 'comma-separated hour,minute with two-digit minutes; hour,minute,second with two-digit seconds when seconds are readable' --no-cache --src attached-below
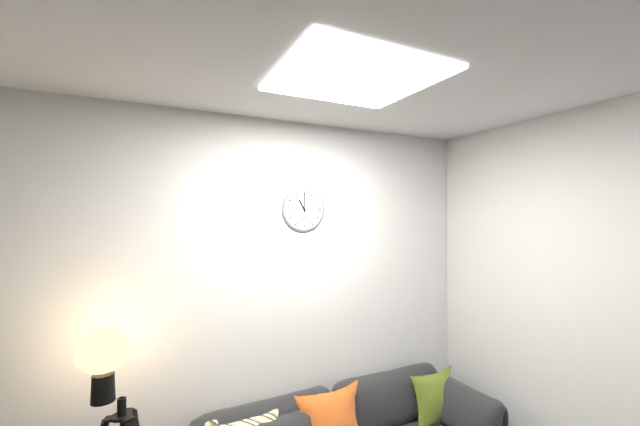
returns 11,00
